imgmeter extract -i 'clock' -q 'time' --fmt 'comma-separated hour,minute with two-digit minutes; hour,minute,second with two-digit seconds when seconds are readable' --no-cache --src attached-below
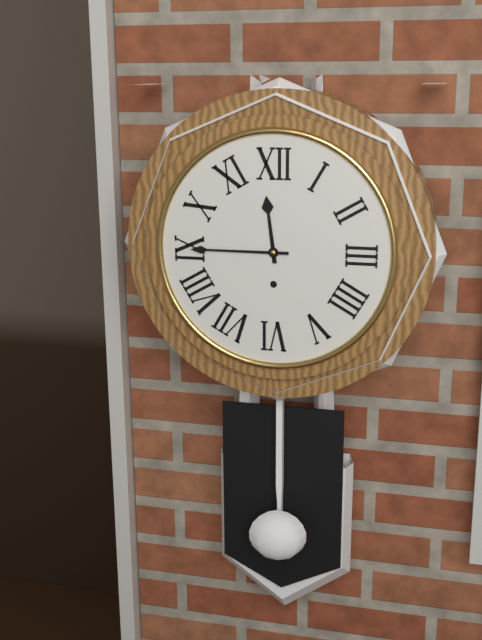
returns 11,45
